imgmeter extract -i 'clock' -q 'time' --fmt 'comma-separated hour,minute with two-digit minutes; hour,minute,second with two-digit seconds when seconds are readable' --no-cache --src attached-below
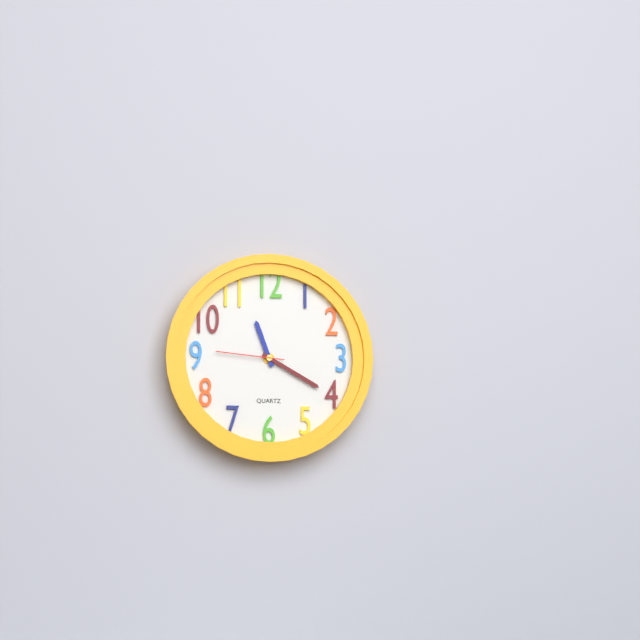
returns 11,20,46
